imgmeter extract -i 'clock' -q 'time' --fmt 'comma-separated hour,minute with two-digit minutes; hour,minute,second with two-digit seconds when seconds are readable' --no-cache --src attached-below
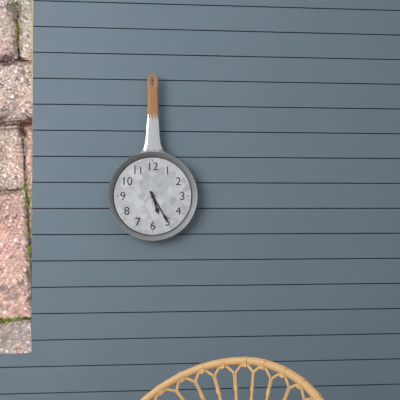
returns 5,25
